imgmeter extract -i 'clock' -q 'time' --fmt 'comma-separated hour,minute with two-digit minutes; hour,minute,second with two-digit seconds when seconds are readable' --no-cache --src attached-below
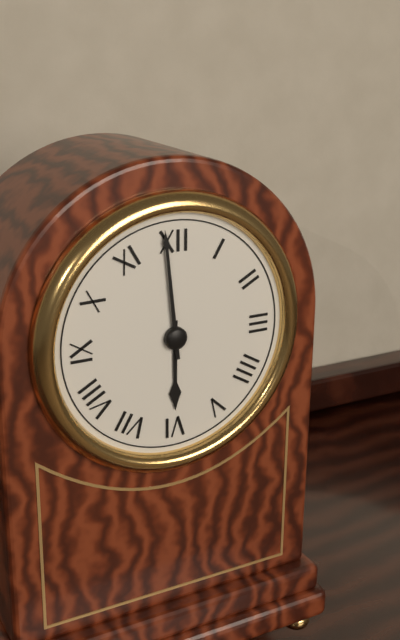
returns 5,59
